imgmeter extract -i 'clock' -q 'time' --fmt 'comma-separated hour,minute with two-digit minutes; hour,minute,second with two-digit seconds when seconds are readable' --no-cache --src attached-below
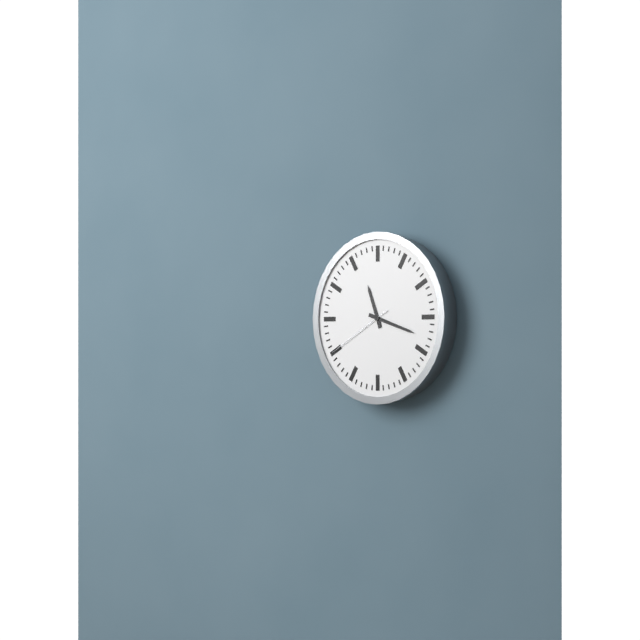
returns 11,18,40
